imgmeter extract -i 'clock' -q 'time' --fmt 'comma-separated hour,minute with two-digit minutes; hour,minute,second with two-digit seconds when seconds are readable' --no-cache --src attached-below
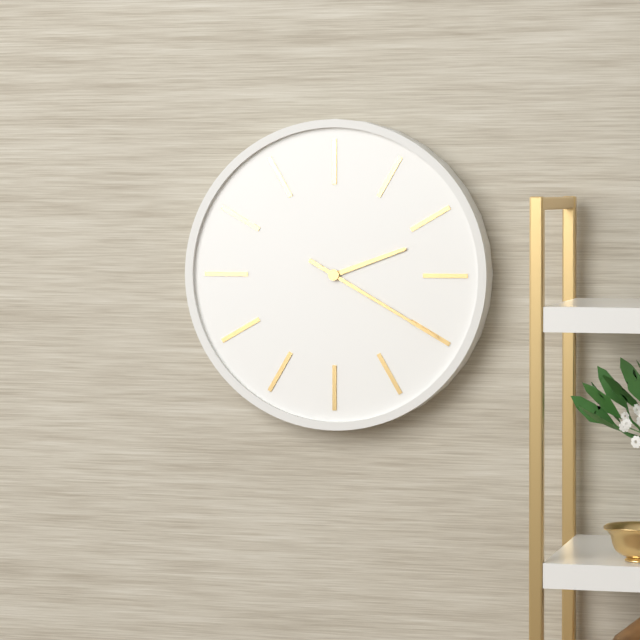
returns 2,20
